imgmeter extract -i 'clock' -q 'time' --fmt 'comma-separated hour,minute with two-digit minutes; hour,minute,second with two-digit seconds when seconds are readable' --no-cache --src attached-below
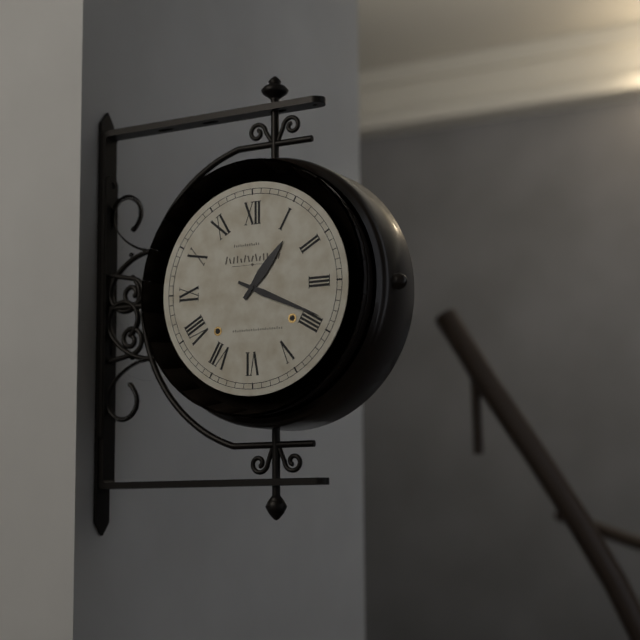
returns 1,19
